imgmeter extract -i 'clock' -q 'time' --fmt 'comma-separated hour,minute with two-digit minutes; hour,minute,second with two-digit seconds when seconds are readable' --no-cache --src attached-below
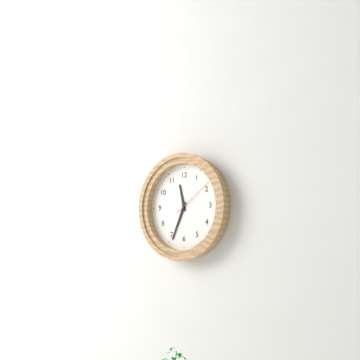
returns 11,34
